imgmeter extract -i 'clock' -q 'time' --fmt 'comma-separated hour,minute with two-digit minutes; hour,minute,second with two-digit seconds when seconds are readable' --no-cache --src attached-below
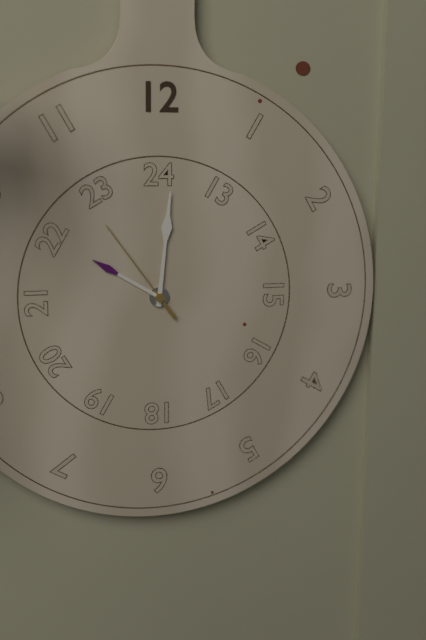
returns 10,01,54
